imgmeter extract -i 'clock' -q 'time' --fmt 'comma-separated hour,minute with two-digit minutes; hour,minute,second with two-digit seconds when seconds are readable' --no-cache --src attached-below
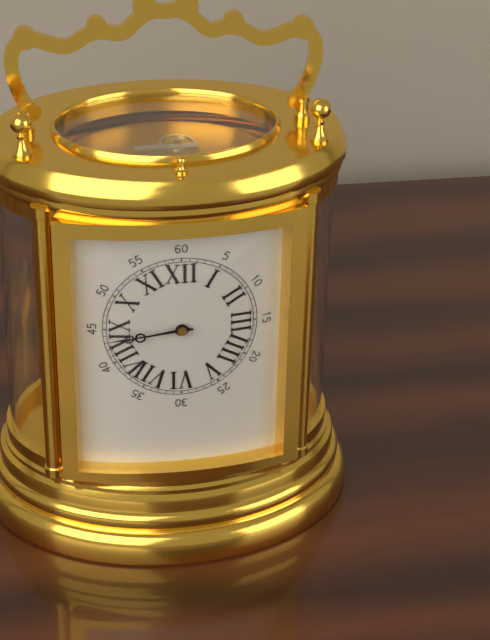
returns 8,44
